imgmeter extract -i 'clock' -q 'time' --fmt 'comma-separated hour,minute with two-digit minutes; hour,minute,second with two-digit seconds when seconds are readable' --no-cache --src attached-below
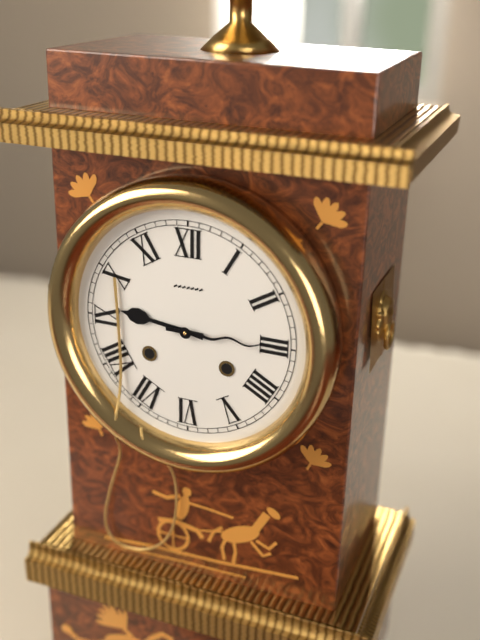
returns 9,15
